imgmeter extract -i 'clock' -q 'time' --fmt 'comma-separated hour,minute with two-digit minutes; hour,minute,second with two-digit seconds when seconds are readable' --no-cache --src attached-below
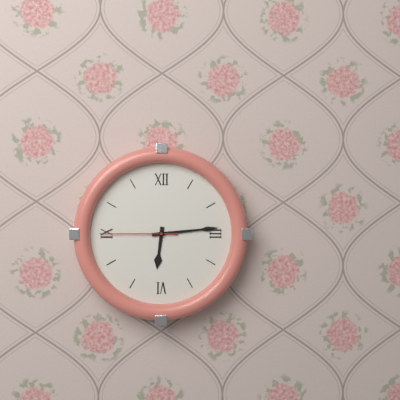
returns 6,14,45
